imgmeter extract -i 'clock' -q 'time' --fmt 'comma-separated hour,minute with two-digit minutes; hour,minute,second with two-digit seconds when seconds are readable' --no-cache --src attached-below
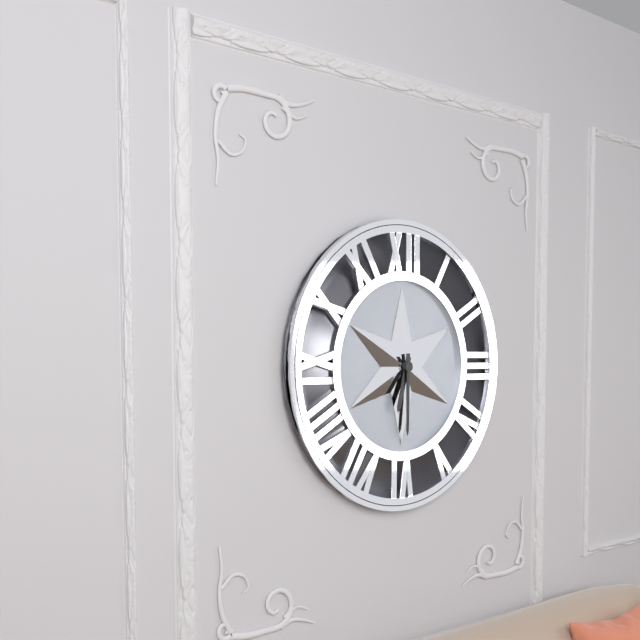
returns 6,30
